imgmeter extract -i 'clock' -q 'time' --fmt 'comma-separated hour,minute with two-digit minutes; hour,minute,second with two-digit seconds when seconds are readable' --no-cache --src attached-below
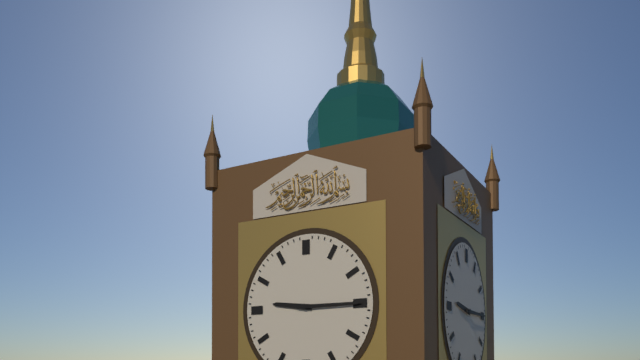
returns 9,15
